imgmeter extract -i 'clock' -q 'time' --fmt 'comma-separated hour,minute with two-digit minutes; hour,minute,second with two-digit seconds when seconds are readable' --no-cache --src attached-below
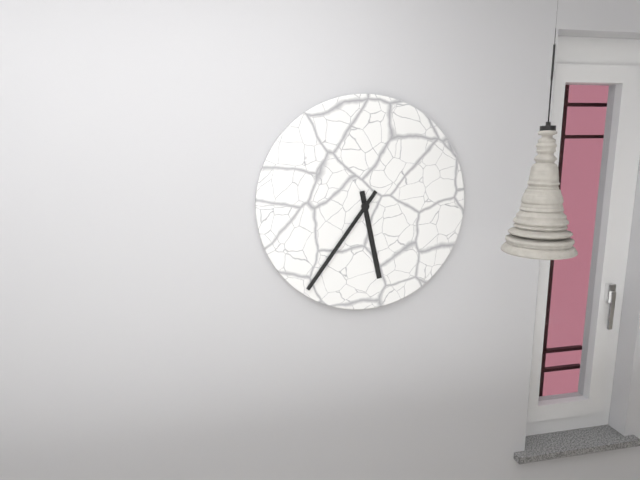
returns 5,36
